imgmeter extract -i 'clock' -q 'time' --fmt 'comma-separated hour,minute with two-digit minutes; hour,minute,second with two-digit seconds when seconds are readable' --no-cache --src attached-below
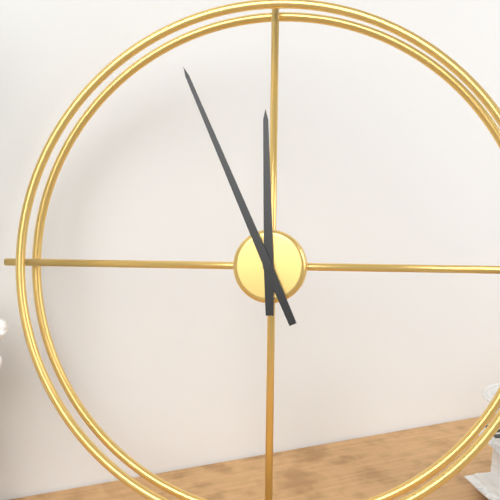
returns 11,56
